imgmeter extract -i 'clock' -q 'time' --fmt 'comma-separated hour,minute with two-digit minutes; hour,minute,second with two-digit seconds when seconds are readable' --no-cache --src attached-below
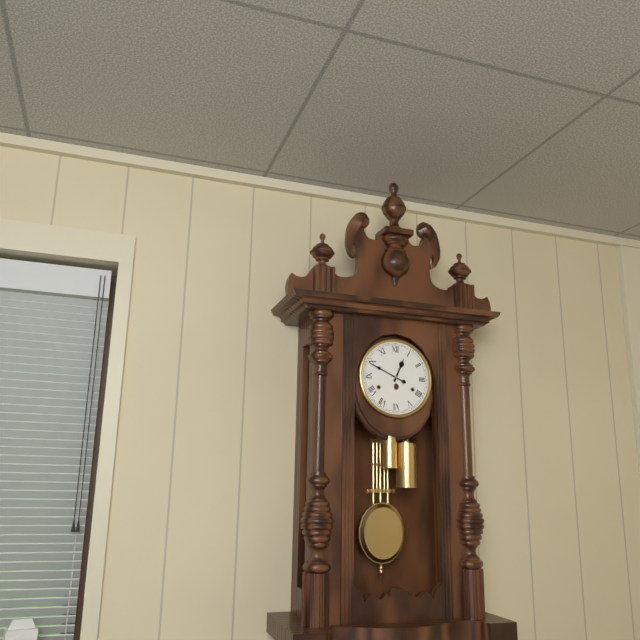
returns 12,49
